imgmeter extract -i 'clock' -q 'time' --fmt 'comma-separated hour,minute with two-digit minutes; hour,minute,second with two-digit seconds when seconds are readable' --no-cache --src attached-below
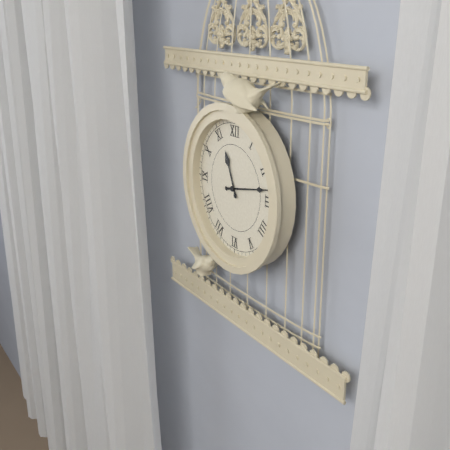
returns 11,13
